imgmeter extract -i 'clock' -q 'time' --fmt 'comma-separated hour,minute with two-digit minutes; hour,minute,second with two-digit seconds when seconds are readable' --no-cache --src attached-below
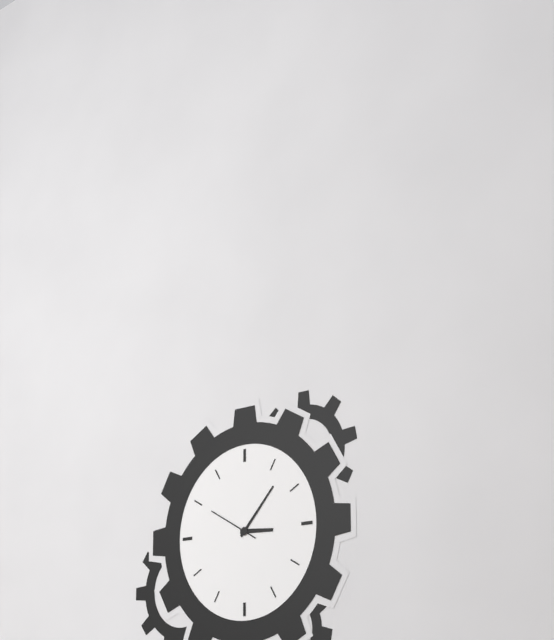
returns 3,07
